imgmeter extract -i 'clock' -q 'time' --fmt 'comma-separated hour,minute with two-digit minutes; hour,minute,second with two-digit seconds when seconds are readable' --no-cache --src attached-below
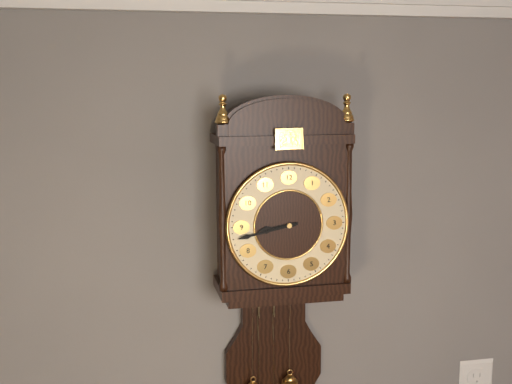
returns 8,43
